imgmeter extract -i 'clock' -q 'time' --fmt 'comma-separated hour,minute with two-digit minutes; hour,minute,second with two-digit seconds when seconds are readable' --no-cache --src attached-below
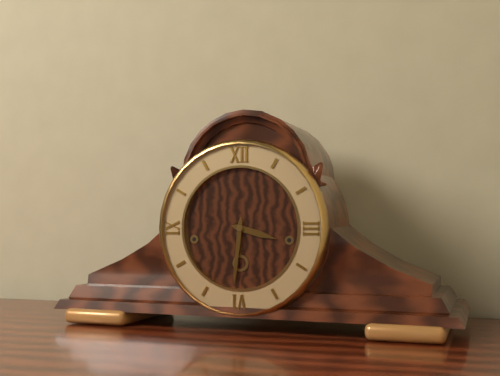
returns 3,31
